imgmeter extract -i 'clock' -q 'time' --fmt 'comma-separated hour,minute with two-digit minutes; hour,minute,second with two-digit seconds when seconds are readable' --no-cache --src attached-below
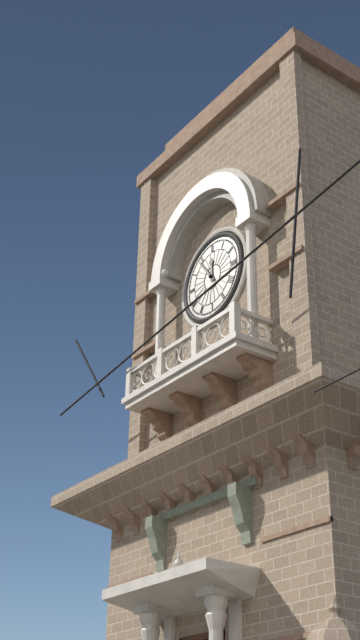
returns 11,54
